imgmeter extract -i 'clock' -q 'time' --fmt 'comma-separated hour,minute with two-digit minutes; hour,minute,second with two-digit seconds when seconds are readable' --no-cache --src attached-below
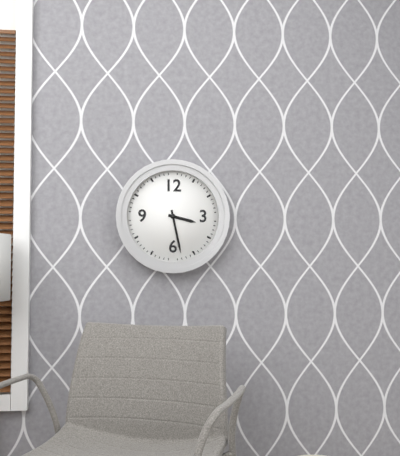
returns 3,28
